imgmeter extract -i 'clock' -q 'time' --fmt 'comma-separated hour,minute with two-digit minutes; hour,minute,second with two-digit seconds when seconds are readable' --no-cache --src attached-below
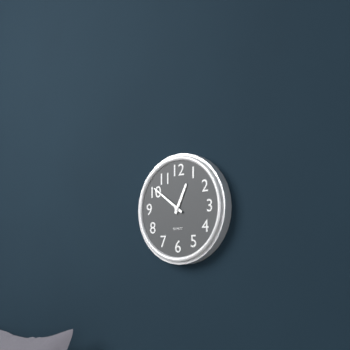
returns 12,51
